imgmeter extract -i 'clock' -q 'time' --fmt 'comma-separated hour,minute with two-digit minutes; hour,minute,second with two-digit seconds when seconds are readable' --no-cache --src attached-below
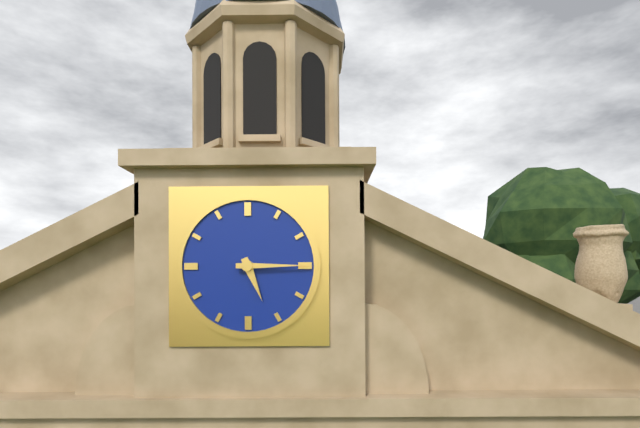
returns 5,15
